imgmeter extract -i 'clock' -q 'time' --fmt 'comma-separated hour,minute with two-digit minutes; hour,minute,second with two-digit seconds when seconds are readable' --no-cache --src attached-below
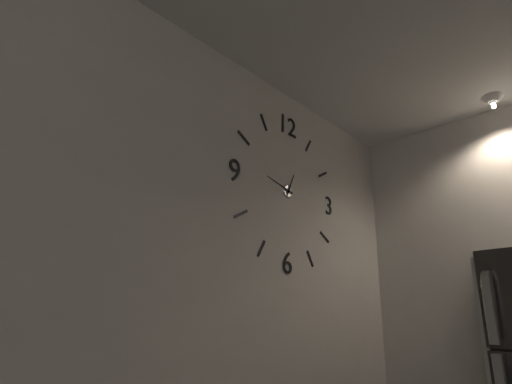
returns 12,47
